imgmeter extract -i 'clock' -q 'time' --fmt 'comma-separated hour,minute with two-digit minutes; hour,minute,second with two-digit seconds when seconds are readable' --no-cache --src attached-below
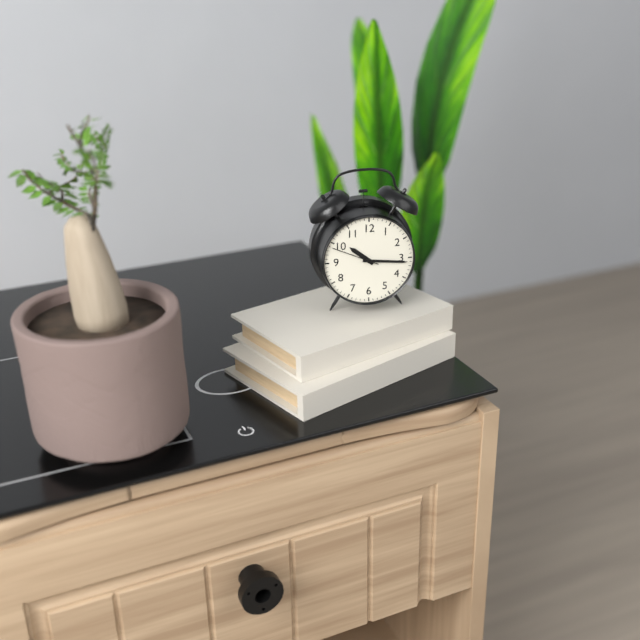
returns 10,16
